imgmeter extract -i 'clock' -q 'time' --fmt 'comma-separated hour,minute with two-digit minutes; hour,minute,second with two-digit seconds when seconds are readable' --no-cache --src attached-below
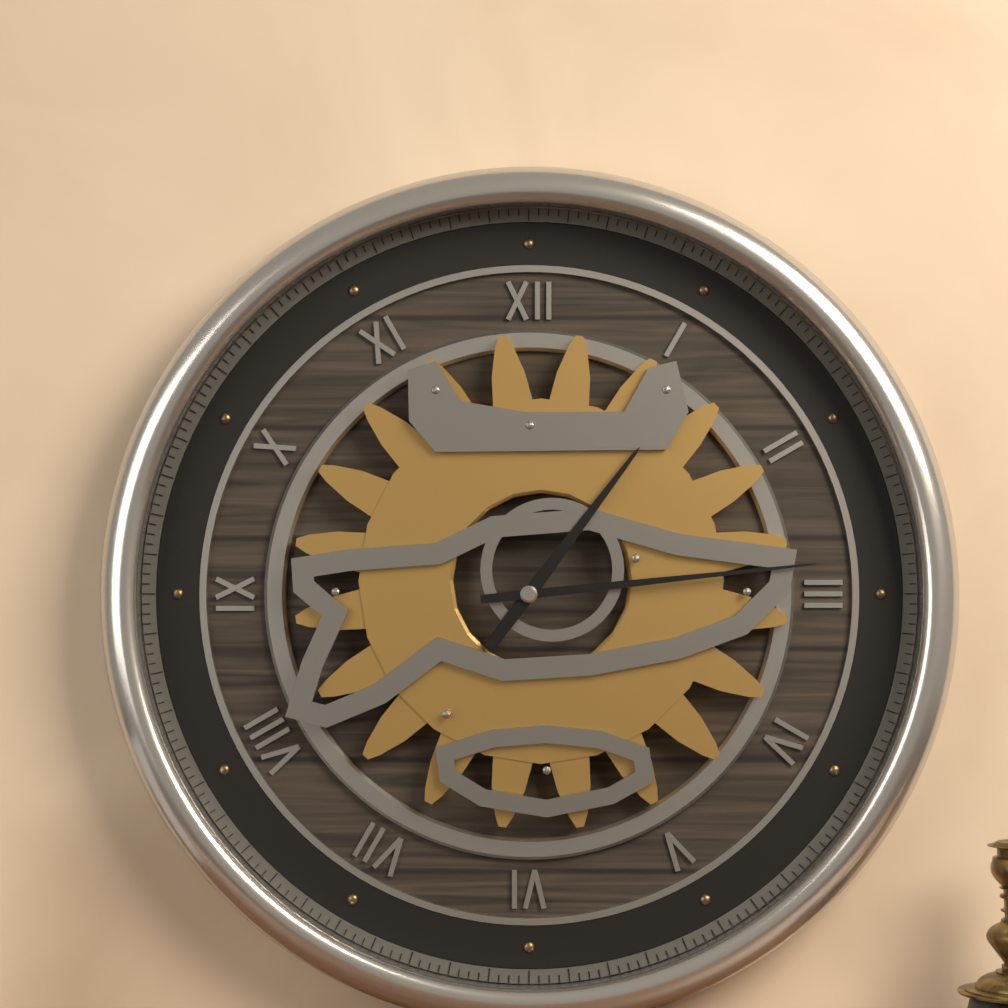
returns 1,14
